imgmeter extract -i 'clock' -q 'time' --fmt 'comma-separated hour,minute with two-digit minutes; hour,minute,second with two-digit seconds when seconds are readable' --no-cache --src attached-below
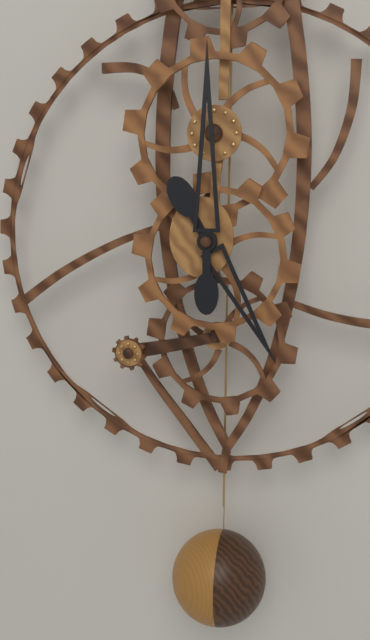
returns 5,00
